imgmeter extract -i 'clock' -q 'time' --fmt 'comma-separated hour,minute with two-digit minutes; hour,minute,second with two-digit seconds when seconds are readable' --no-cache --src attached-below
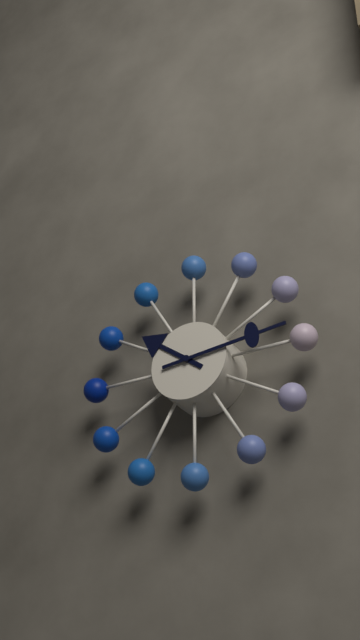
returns 10,14
